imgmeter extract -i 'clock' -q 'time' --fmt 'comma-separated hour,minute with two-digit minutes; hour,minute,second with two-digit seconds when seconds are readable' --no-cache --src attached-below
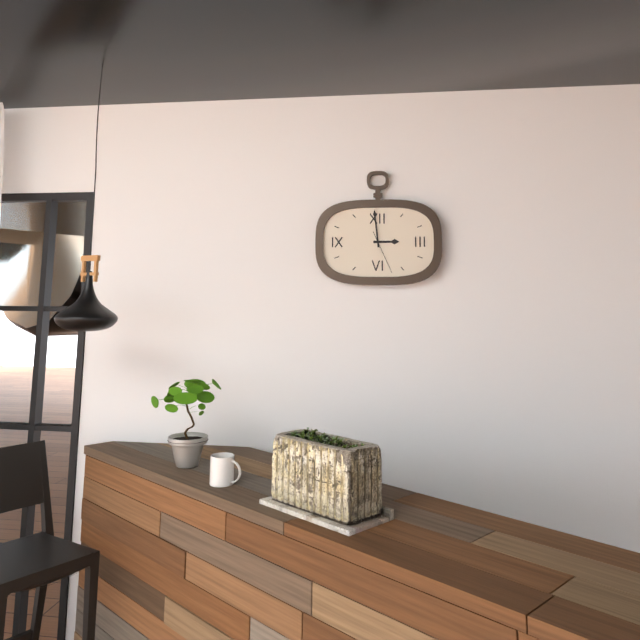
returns 2,59
